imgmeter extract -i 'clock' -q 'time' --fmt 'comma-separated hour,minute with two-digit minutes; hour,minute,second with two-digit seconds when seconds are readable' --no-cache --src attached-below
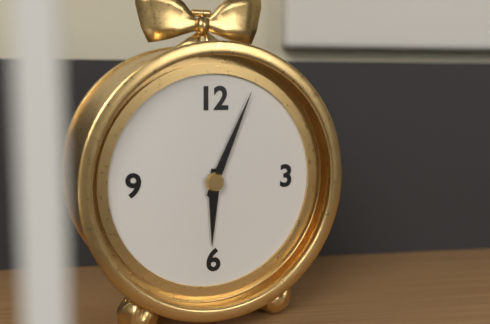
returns 6,04
